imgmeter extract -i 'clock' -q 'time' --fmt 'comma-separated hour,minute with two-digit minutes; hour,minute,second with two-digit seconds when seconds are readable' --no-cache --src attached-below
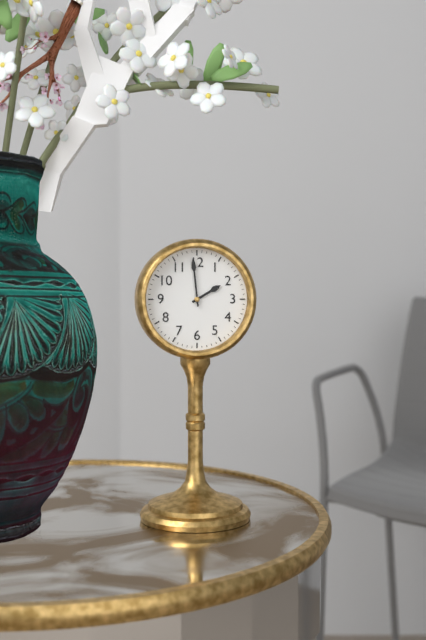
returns 1,59
